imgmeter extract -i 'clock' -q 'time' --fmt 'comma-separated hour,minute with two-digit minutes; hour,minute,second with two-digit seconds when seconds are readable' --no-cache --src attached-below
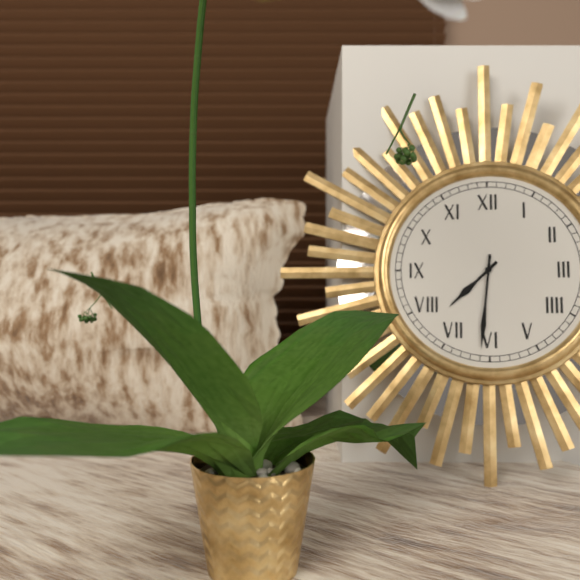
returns 7,31
